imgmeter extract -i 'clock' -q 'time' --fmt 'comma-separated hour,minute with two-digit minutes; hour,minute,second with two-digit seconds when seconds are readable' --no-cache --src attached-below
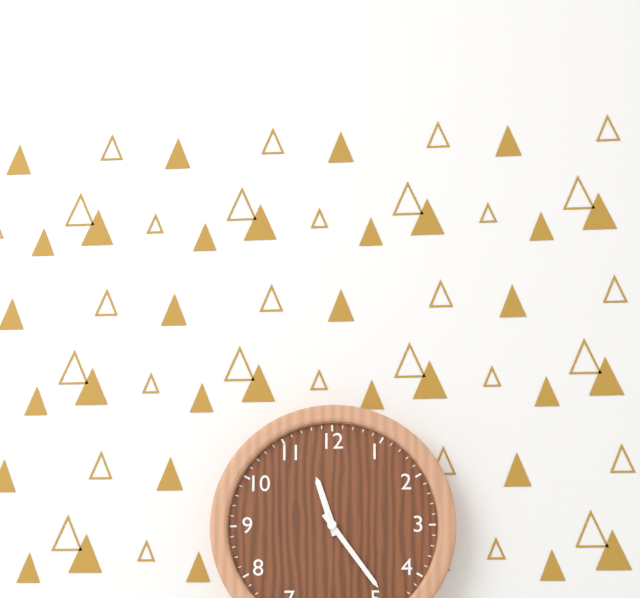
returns 11,24
